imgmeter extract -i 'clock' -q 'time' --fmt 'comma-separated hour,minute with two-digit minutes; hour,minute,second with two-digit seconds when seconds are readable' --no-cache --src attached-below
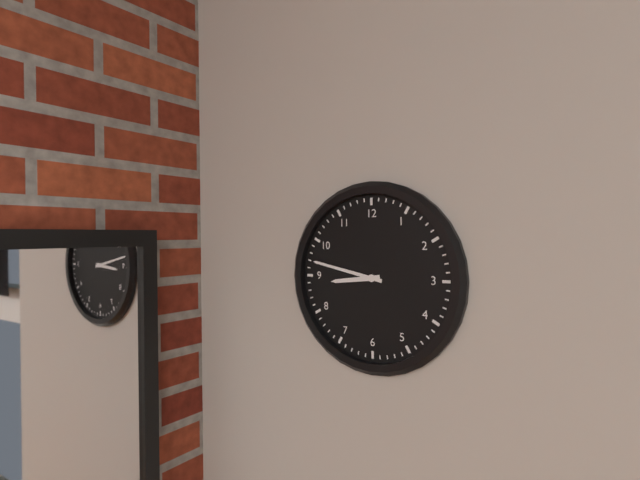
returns 8,47
